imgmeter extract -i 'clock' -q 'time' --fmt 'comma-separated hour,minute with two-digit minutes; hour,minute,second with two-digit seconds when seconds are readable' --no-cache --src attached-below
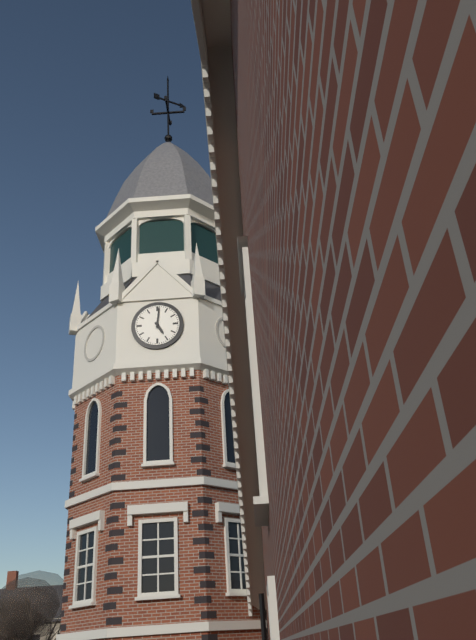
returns 5,01
